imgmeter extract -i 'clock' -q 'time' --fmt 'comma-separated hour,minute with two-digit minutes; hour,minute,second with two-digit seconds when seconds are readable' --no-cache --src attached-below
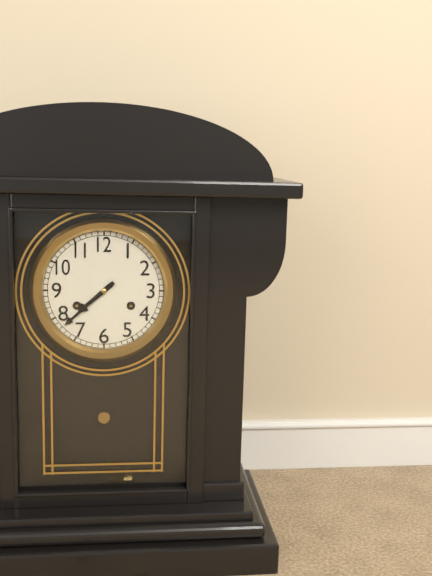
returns 7,38
